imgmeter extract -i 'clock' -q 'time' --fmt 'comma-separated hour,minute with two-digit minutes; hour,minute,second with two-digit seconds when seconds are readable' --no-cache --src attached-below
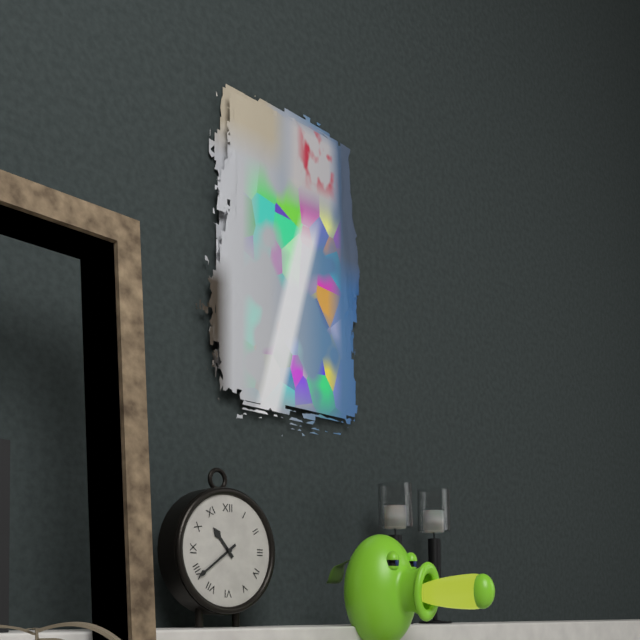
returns 10,39
